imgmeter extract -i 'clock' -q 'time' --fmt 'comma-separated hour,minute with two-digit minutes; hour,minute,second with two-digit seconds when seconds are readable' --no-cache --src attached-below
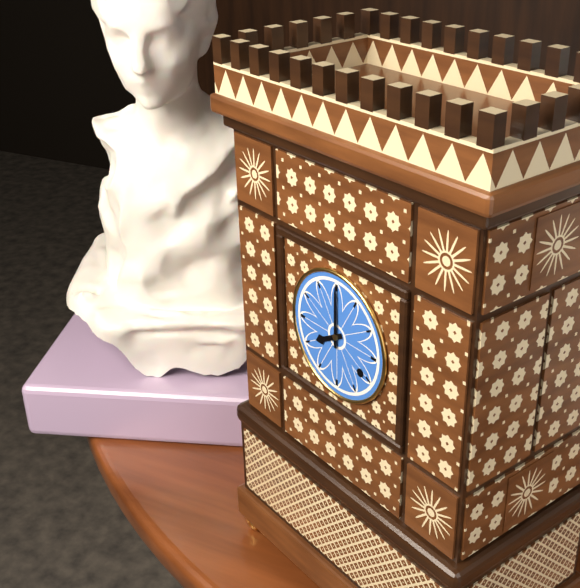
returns 8,00
